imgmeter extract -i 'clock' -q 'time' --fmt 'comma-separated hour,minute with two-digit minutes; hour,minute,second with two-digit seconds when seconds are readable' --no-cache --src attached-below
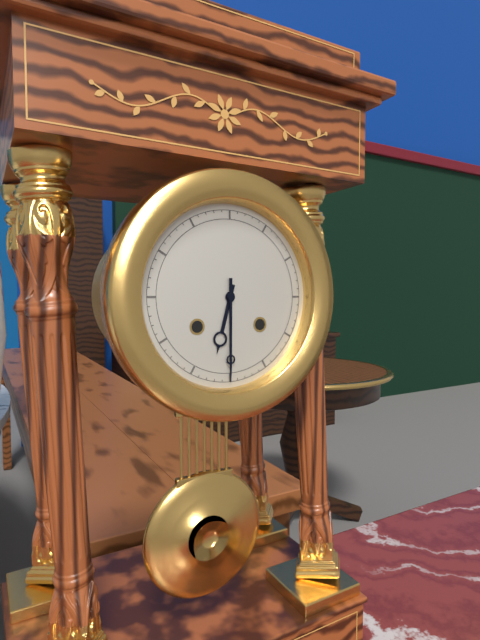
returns 6,30
